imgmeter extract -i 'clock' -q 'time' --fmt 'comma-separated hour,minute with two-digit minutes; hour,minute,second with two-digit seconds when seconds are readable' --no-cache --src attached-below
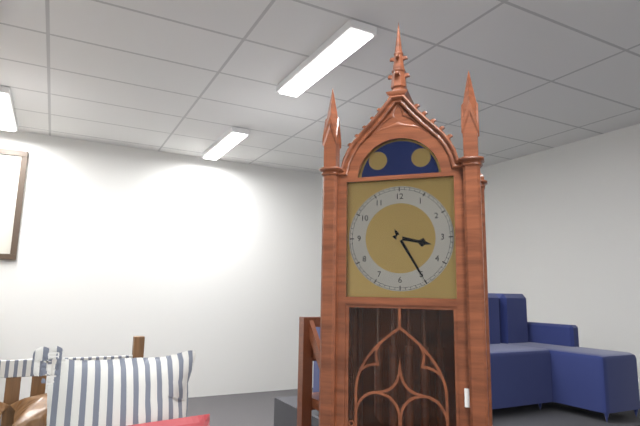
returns 3,25
